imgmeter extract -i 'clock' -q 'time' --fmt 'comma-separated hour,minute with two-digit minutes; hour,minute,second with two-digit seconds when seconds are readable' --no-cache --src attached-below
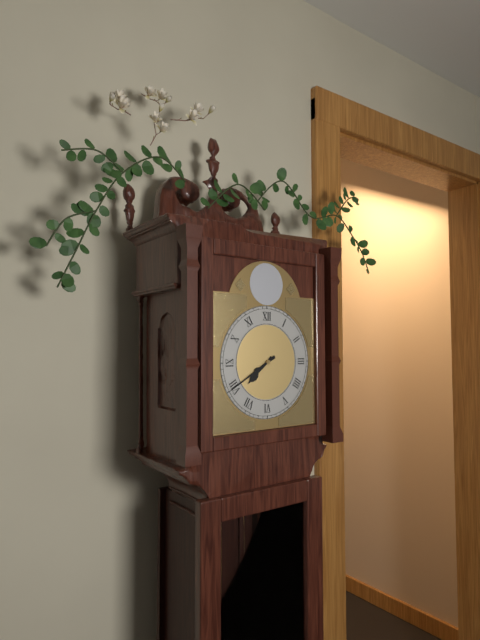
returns 7,40
